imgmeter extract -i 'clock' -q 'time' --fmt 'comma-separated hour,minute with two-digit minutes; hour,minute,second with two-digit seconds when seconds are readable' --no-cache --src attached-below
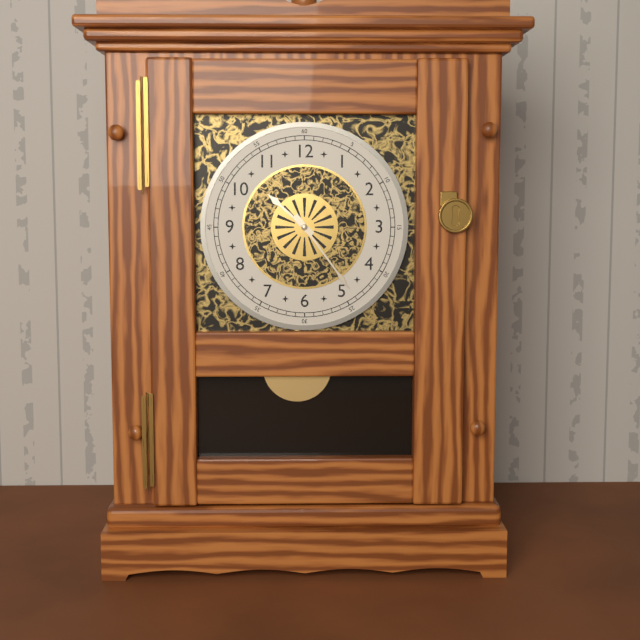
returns 10,24
